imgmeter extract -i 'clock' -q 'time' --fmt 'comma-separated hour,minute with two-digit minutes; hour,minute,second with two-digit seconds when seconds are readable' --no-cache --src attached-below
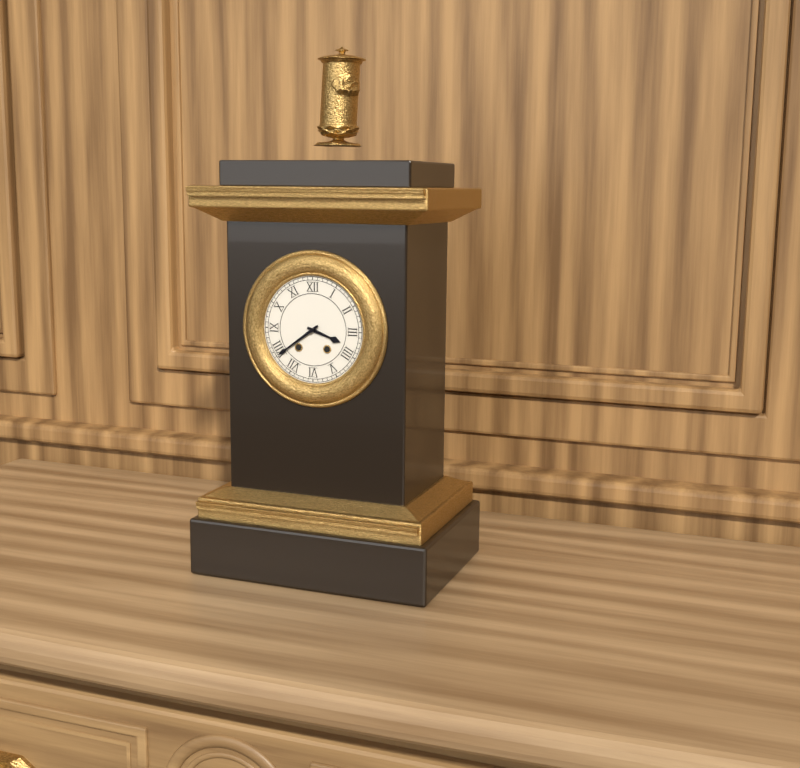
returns 3,39
